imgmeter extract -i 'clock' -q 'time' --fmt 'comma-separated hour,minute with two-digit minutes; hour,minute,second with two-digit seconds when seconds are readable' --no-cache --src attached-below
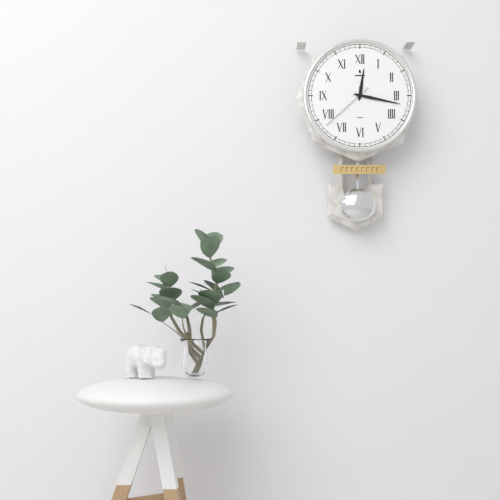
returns 12,17,38
